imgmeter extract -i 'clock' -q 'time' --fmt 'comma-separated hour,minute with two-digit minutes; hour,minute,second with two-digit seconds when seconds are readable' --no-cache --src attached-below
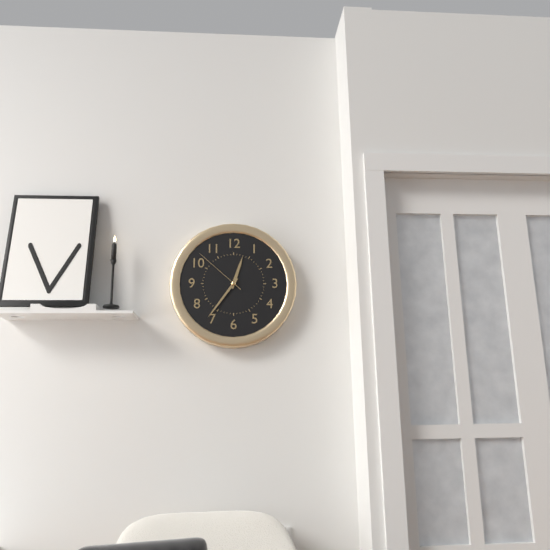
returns 12,36,52
